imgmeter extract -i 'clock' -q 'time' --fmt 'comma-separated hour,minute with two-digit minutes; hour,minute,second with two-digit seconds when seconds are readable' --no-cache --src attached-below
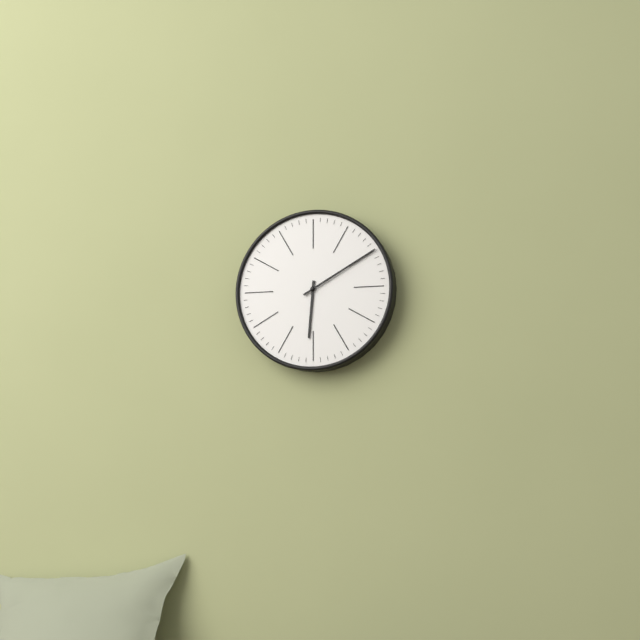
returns 6,10
